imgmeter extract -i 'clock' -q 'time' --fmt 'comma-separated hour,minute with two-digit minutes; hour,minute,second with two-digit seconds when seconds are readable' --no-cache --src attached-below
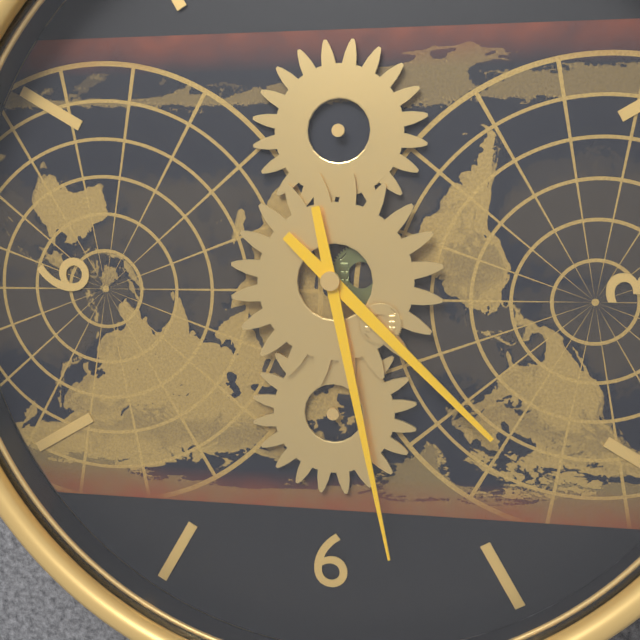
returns 4,28
